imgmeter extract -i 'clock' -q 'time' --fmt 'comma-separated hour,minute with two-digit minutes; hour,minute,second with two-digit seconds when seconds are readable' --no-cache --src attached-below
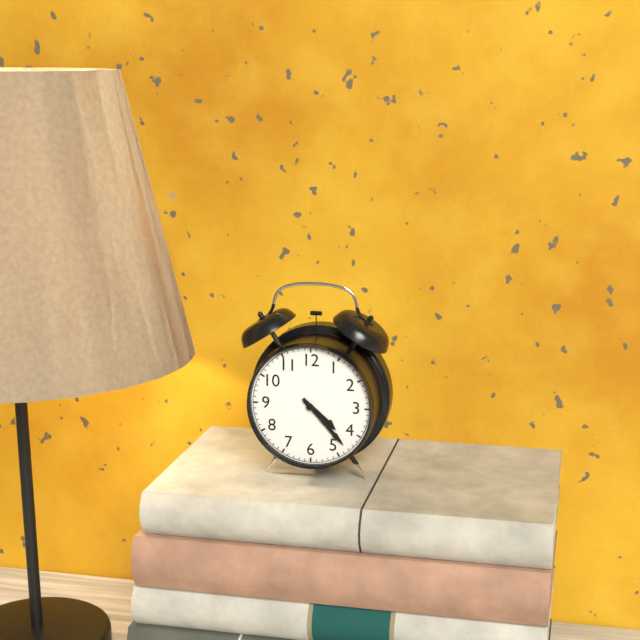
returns 4,23
